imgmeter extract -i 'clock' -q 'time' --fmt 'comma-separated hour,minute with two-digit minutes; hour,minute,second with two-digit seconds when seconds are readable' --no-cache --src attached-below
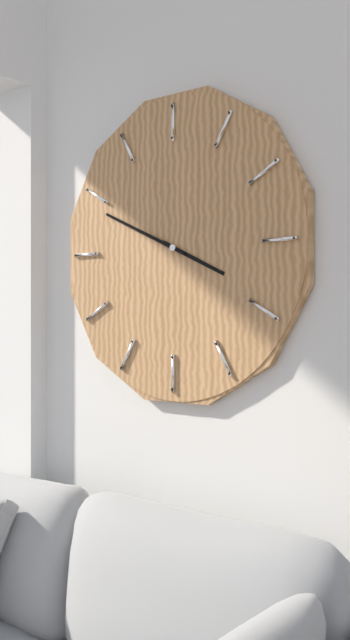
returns 3,49
